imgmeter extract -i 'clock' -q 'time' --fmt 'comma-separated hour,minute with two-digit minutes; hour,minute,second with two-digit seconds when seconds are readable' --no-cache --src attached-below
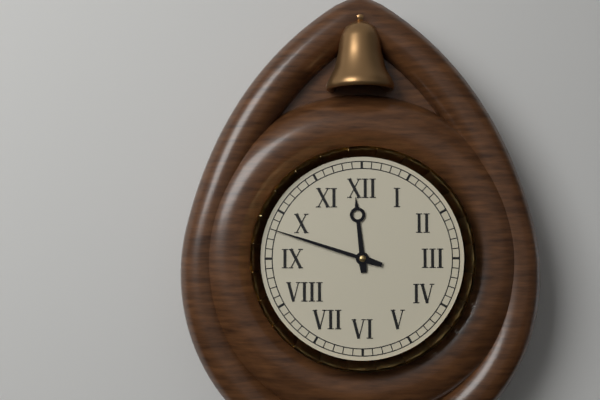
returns 11,48
